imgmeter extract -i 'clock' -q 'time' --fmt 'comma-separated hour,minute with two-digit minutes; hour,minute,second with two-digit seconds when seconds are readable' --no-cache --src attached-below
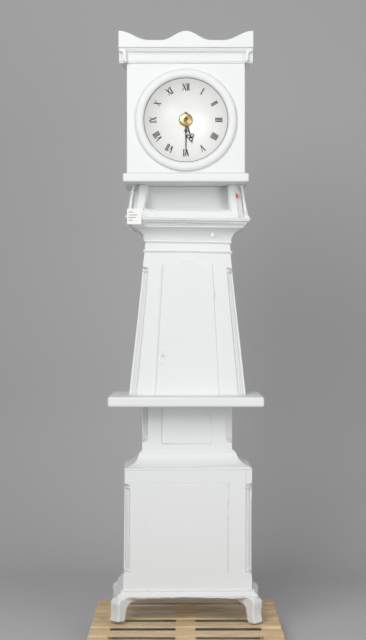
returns 5,30
